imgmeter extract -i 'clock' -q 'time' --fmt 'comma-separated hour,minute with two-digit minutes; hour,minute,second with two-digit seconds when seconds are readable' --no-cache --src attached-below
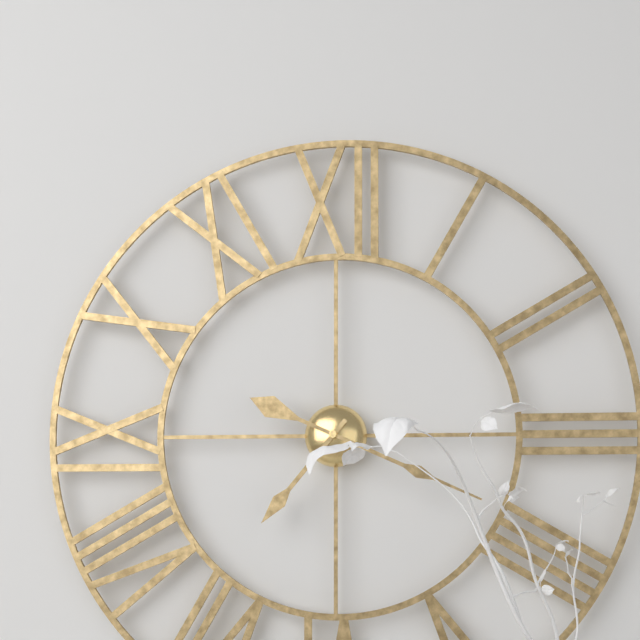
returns 7,19
